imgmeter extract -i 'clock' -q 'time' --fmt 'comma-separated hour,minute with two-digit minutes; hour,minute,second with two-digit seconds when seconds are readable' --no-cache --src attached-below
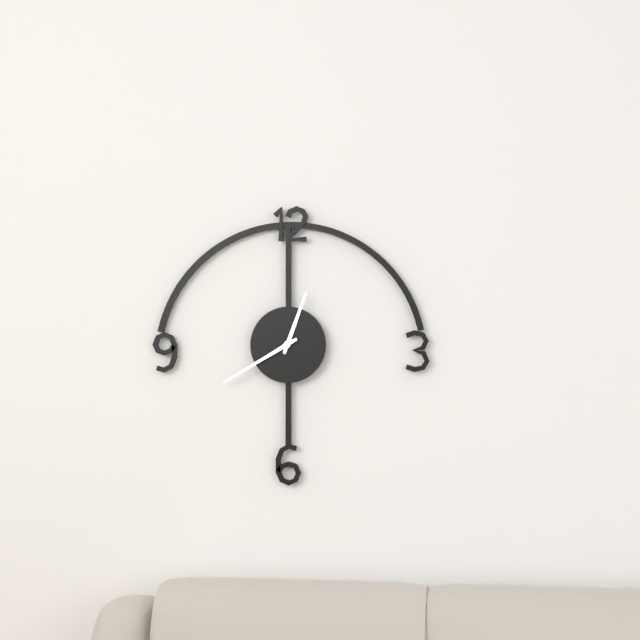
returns 12,40
